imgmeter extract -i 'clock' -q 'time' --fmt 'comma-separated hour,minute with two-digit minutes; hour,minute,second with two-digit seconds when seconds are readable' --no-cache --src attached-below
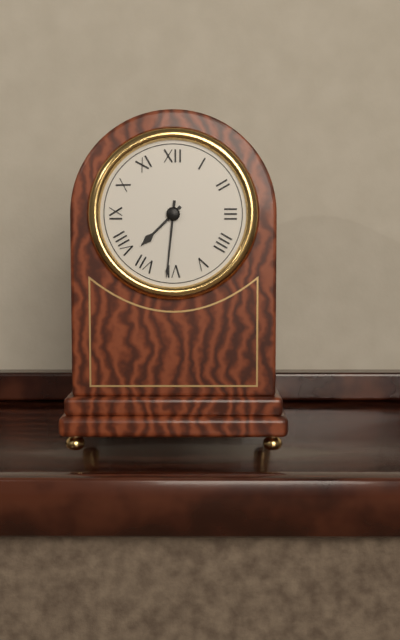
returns 7,31
